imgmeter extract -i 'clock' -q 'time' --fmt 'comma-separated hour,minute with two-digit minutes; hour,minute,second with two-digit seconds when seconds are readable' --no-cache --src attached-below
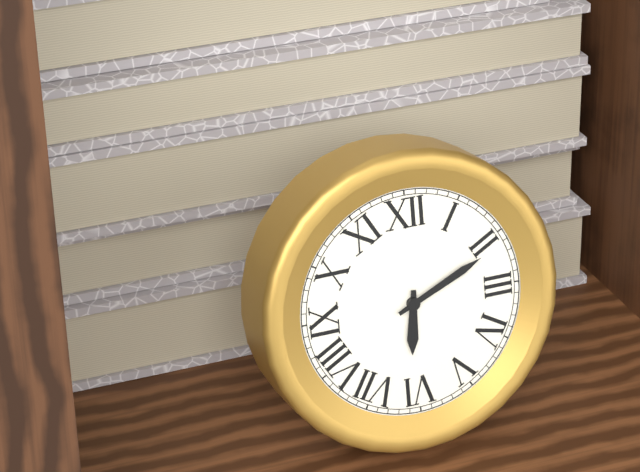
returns 6,11
